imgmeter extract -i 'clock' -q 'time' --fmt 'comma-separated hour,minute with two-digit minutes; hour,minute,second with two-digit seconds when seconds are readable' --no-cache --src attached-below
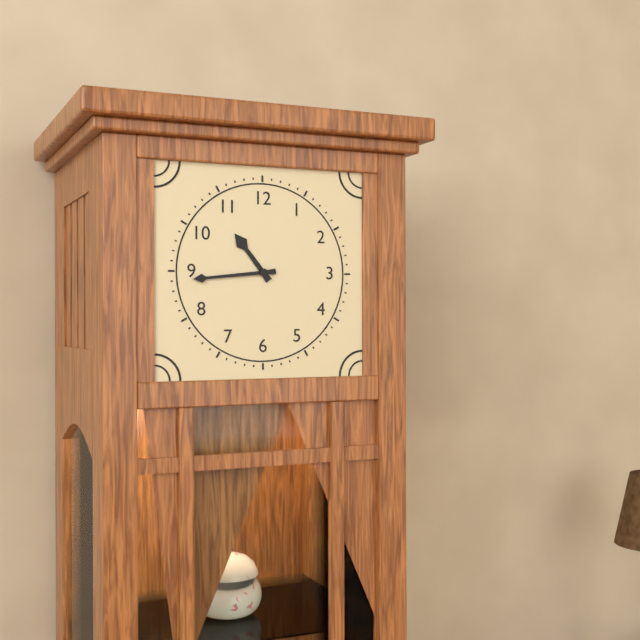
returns 10,44
